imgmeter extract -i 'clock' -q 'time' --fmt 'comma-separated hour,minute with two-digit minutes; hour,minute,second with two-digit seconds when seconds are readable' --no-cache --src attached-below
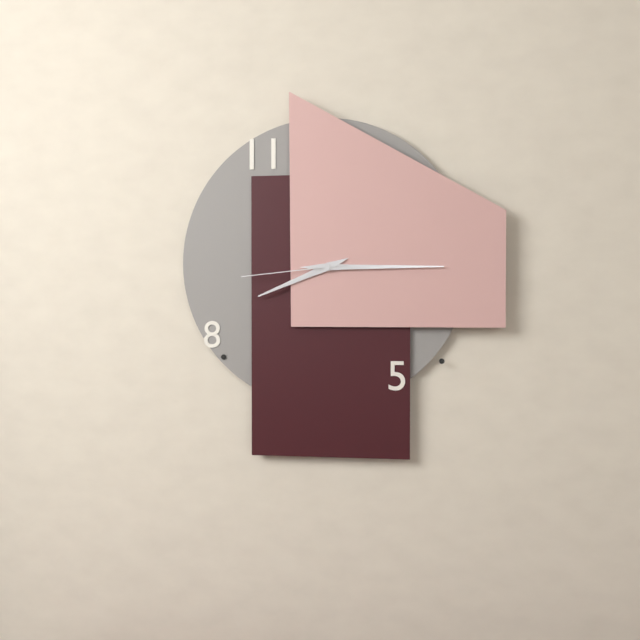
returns 8,15,44
